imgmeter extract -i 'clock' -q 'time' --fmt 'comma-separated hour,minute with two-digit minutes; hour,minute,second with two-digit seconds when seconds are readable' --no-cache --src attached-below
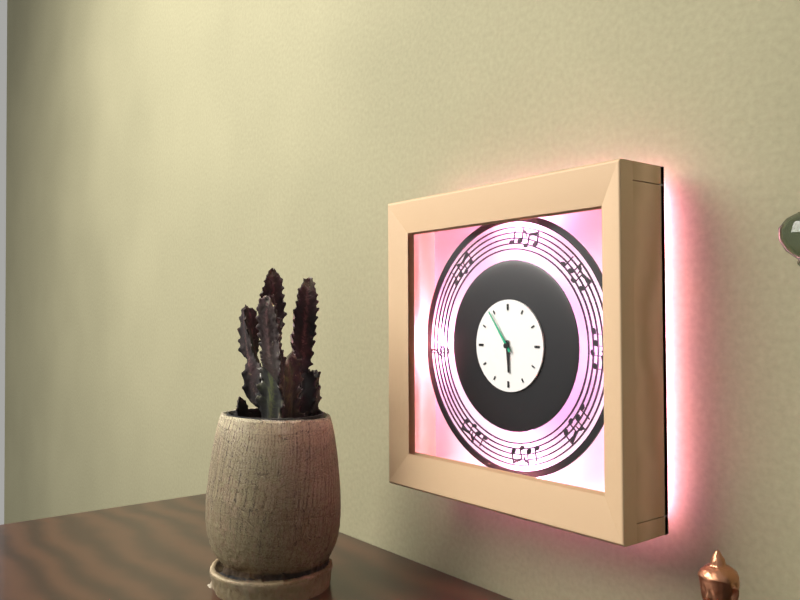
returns 5,54
